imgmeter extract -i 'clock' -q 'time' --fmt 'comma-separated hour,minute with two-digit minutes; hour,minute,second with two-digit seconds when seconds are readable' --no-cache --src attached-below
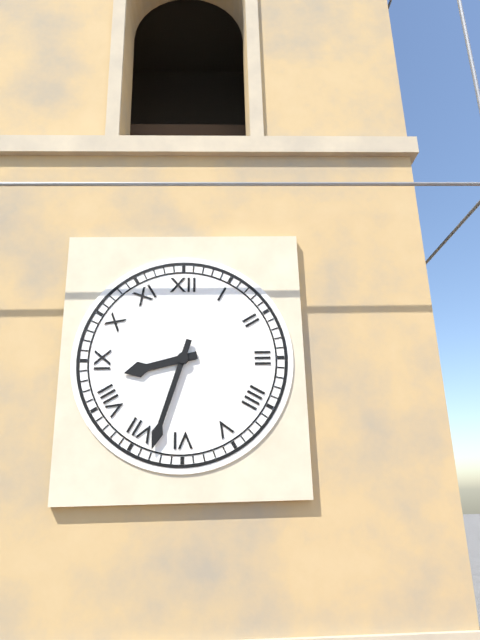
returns 8,33
